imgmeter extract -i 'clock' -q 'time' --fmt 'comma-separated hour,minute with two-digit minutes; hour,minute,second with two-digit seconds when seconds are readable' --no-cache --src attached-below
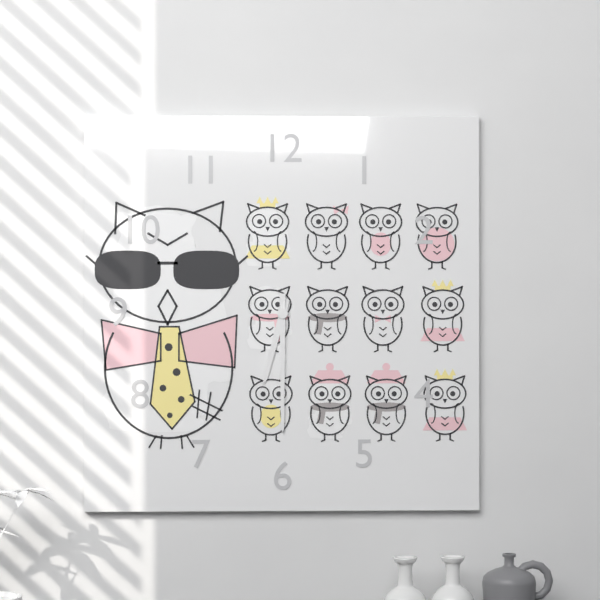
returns 6,30
